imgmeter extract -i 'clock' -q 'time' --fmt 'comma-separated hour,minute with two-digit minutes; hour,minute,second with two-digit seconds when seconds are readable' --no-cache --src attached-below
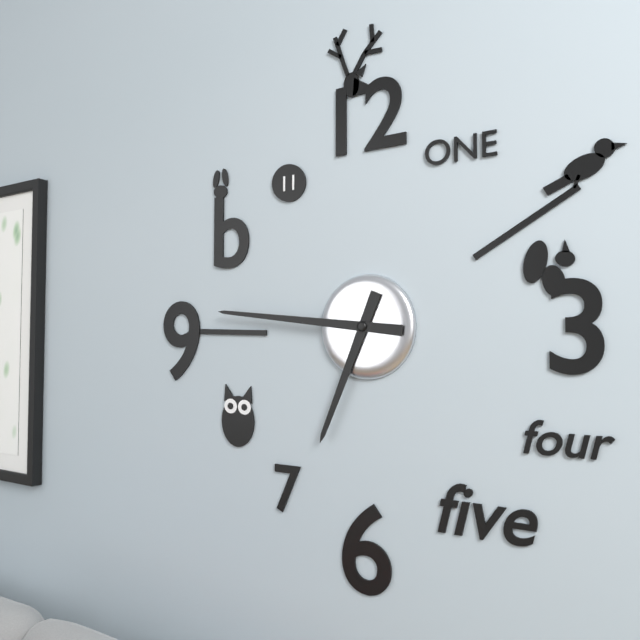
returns 6,46
